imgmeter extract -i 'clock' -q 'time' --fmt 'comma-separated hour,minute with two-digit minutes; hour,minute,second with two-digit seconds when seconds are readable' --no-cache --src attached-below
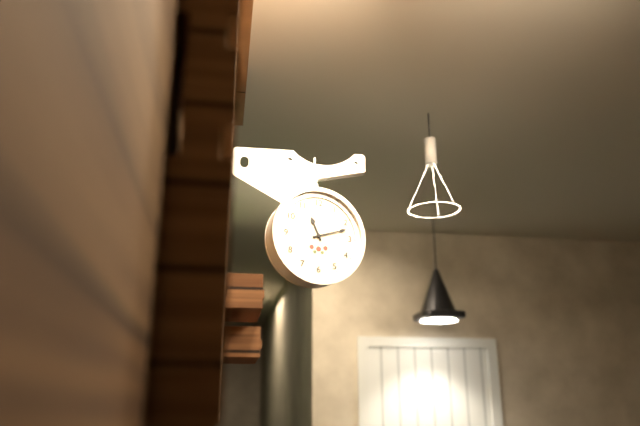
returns 11,12
